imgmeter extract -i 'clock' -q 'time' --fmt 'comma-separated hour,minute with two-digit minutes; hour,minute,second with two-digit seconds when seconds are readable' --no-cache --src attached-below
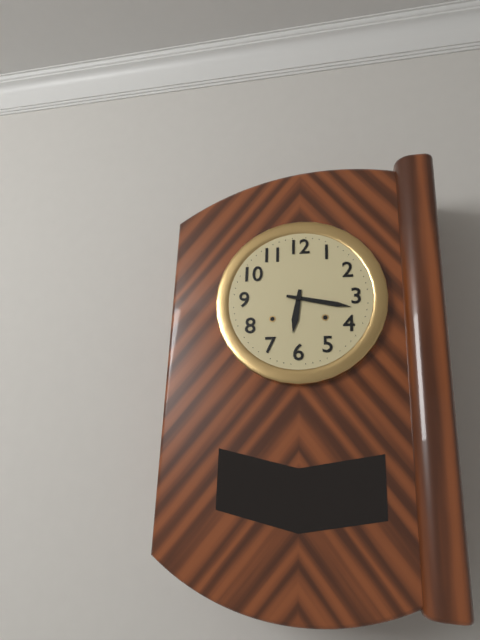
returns 6,17
